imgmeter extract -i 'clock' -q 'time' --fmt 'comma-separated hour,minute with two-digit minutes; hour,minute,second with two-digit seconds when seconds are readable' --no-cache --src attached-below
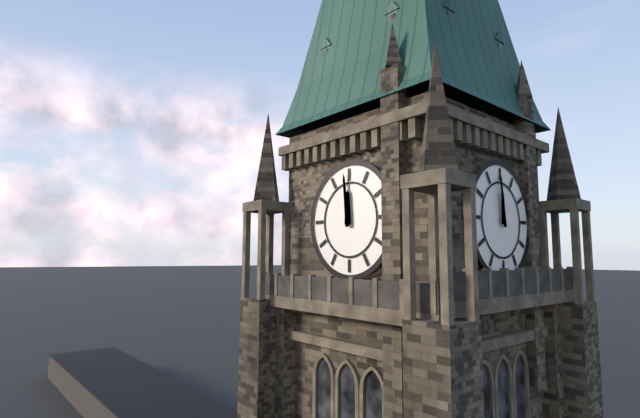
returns 11,59
